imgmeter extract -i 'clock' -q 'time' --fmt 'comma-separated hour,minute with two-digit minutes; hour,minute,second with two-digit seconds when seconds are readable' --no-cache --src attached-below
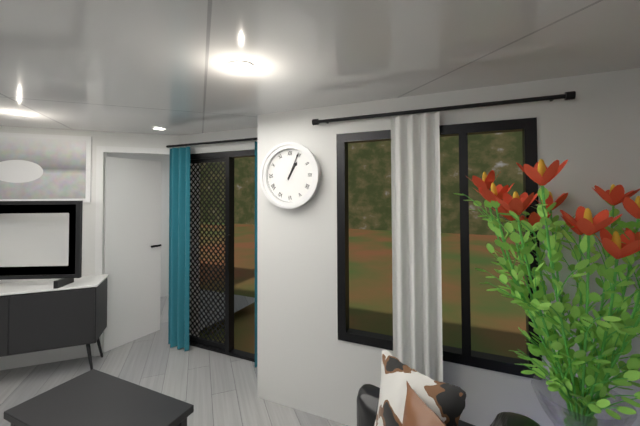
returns 1,04
